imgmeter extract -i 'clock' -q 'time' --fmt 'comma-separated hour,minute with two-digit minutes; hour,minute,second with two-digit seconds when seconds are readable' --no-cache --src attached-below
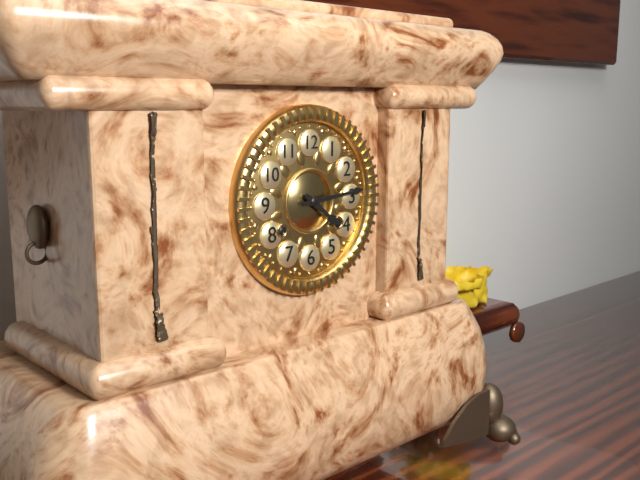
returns 4,14
